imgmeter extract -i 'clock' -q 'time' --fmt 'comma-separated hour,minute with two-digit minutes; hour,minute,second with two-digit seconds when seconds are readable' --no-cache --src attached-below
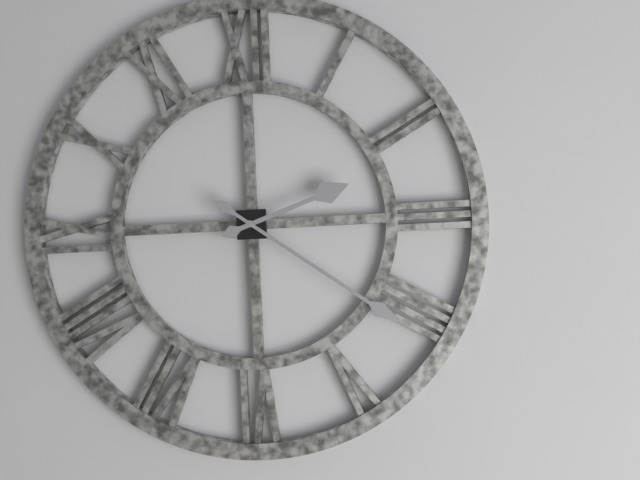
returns 2,21
